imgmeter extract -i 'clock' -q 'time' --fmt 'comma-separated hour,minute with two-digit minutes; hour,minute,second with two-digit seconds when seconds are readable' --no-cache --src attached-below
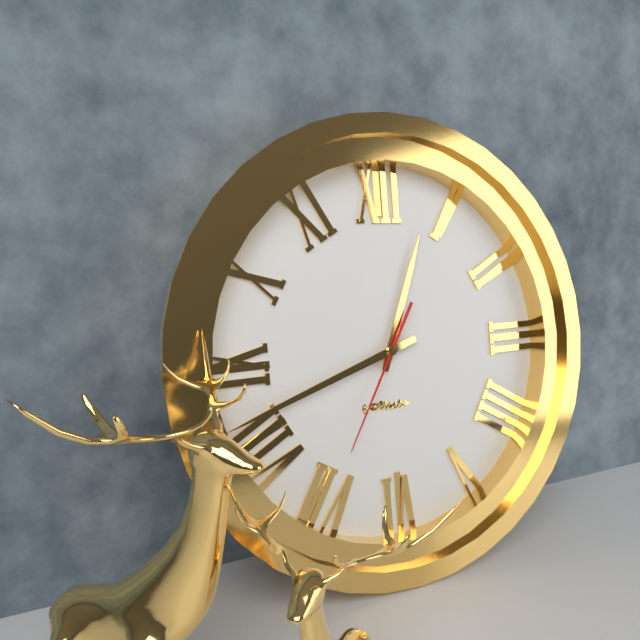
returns 12,42,35
